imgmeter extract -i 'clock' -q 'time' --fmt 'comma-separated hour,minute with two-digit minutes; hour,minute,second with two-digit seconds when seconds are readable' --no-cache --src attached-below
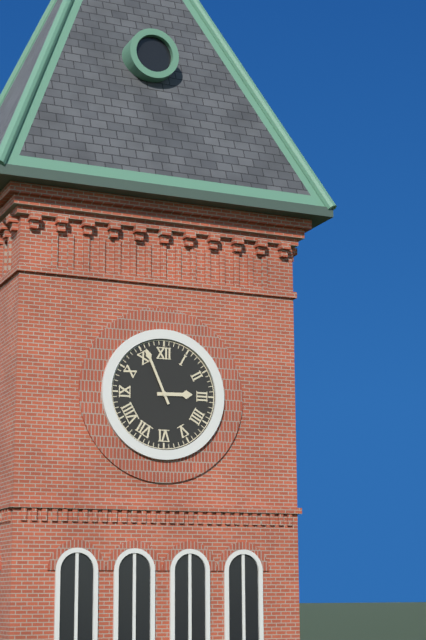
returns 2,56
